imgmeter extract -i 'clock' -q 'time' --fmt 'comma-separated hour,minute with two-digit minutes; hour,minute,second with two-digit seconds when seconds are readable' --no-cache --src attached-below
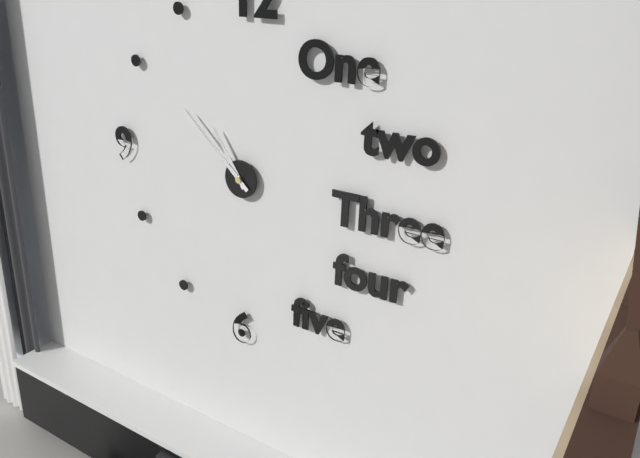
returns 10,52
